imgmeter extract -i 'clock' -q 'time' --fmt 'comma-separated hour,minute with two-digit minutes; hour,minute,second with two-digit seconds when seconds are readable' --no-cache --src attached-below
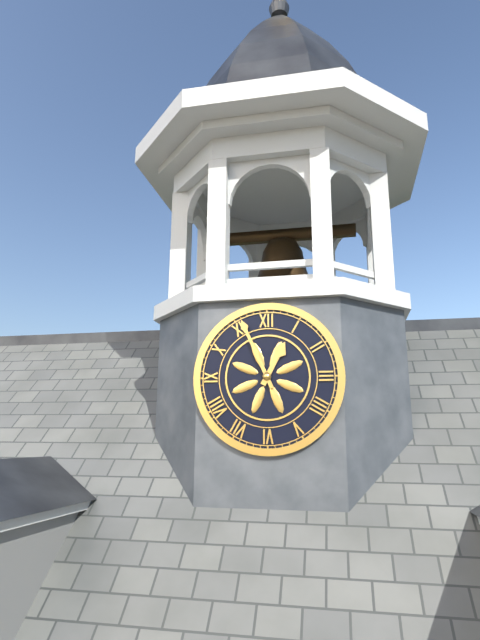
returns 12,56
